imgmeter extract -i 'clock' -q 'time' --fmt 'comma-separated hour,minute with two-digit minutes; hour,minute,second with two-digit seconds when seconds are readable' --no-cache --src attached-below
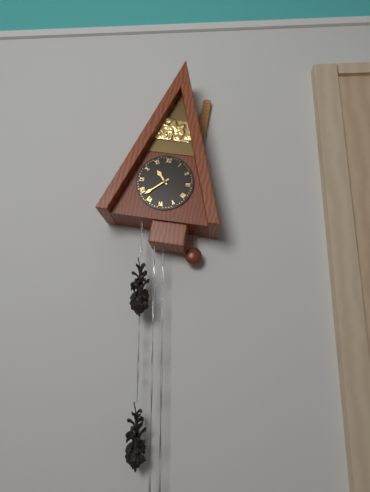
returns 10,38
